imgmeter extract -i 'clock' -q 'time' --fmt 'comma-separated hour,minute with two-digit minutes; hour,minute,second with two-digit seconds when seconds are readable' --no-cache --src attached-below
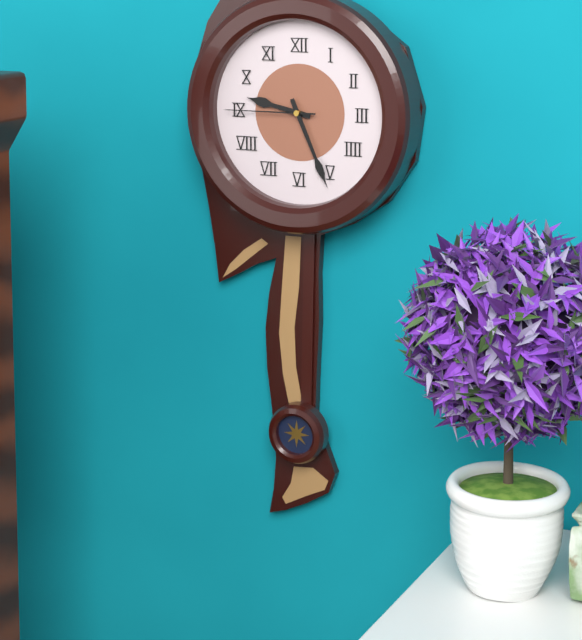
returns 9,26,45
